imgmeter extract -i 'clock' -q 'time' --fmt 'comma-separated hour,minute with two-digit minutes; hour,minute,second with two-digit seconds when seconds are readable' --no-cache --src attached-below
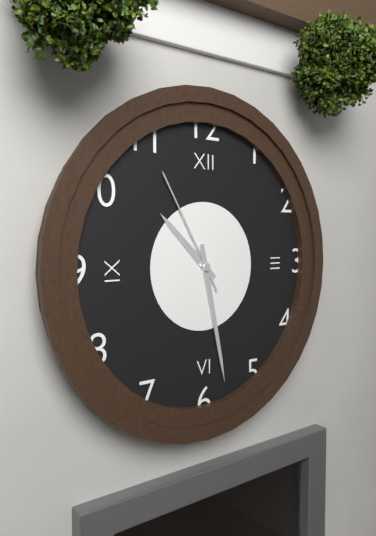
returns 10,28,55
